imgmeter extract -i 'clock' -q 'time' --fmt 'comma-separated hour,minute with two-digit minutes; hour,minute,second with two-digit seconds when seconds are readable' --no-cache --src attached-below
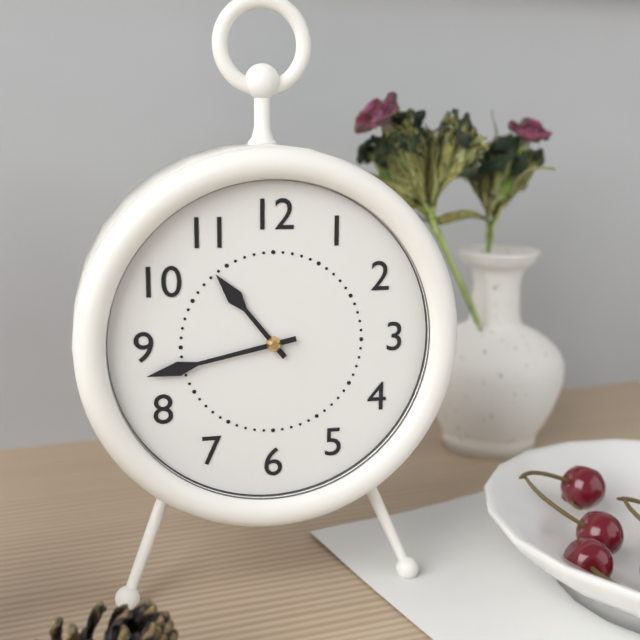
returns 10,43
